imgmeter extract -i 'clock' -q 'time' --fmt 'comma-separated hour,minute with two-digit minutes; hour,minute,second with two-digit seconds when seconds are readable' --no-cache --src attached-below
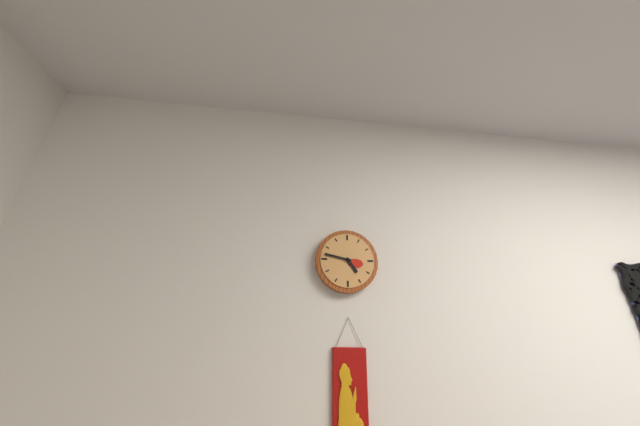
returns 4,47
